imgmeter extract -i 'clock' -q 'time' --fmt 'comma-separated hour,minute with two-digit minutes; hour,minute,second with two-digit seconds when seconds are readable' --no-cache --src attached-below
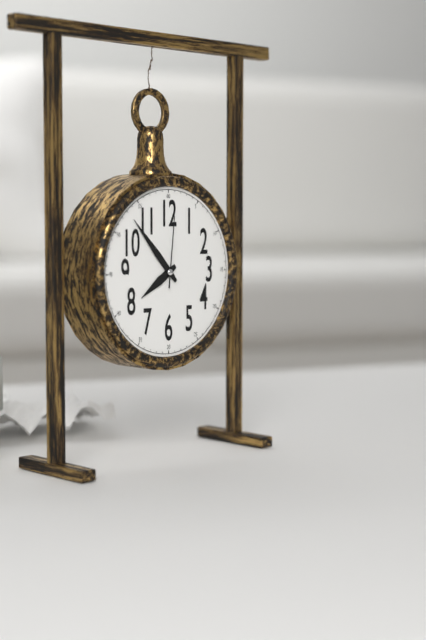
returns 7,53,01
